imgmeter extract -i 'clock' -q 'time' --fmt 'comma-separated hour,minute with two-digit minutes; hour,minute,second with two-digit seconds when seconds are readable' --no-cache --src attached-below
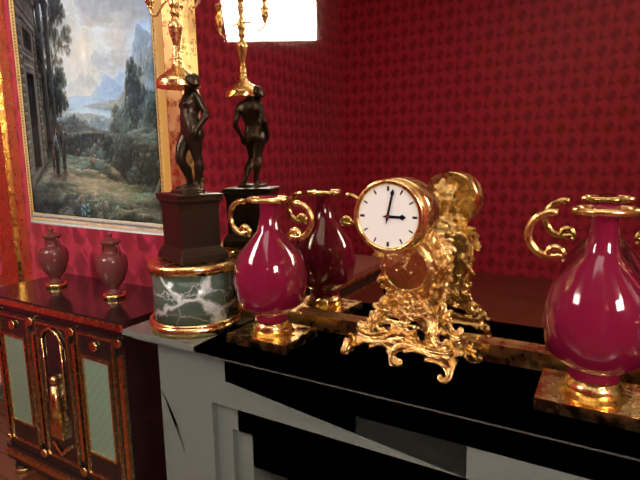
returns 3,02
